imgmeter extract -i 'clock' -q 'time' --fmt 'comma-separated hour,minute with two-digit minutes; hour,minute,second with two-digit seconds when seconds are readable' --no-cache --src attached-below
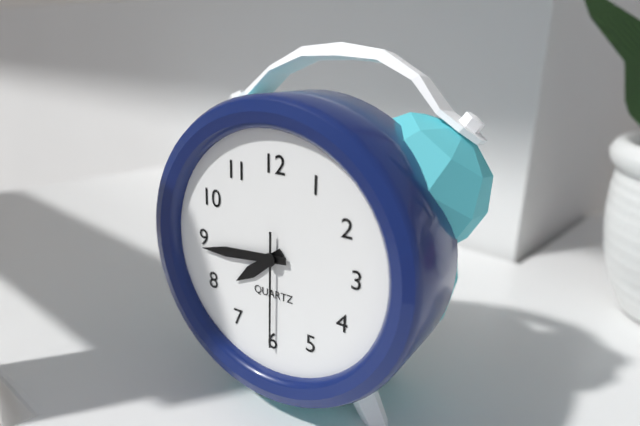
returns 7,44,30
